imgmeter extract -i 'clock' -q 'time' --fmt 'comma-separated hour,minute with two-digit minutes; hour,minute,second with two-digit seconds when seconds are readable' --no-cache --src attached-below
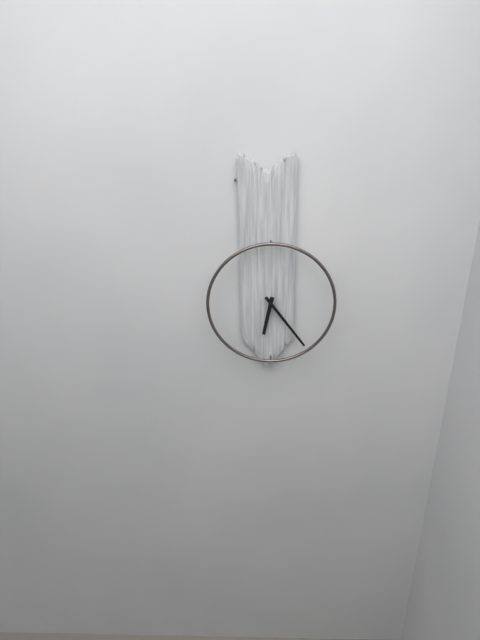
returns 6,24
